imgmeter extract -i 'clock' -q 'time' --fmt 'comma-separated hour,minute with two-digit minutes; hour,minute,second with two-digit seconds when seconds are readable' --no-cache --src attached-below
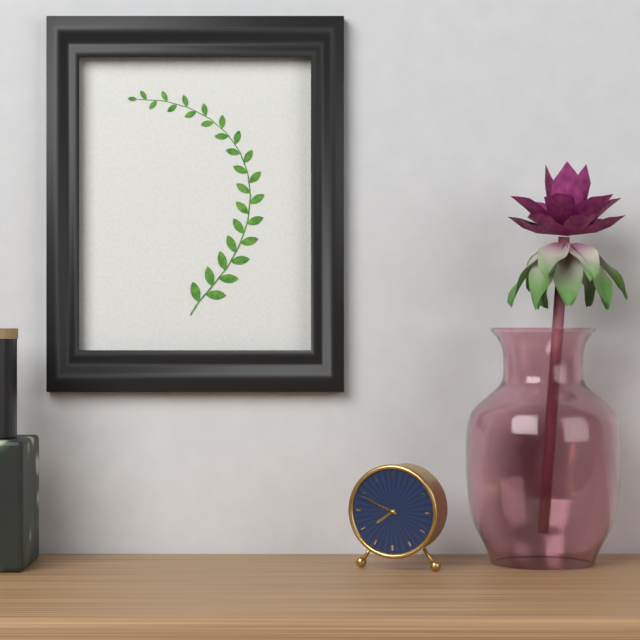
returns 7,49
